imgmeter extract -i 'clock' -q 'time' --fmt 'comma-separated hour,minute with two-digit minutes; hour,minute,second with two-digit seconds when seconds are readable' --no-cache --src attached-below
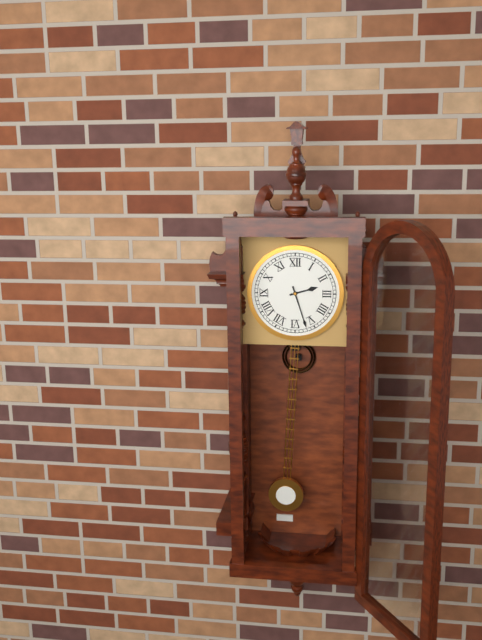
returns 2,27
